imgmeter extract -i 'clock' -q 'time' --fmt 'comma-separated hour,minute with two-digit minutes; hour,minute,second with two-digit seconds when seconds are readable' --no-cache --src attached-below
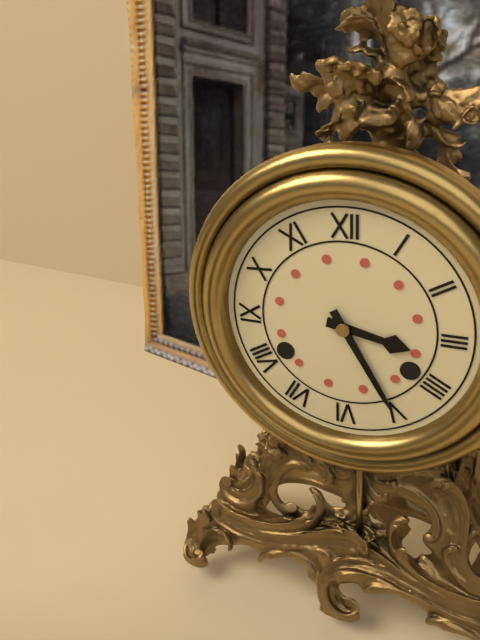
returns 3,25
